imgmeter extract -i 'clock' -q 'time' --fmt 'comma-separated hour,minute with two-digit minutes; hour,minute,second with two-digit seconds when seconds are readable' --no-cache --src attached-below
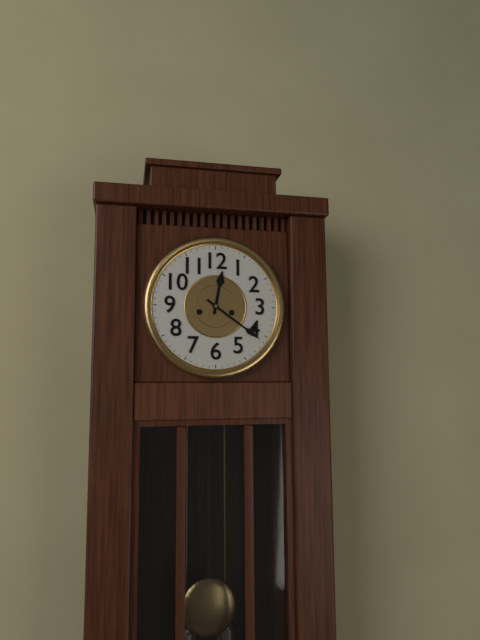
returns 12,21
